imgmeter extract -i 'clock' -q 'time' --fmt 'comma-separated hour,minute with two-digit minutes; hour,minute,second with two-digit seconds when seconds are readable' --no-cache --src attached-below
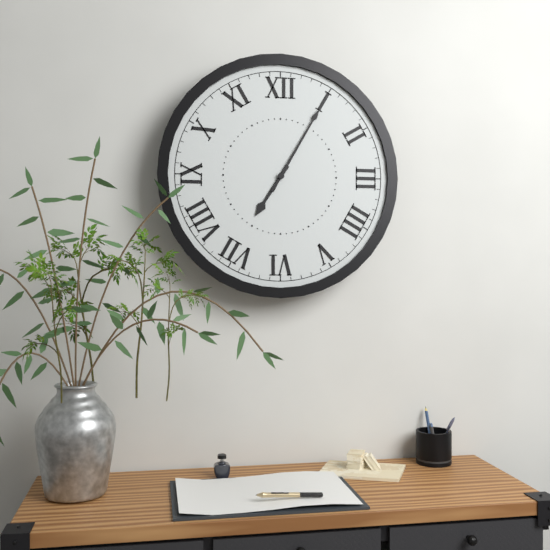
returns 7,05
